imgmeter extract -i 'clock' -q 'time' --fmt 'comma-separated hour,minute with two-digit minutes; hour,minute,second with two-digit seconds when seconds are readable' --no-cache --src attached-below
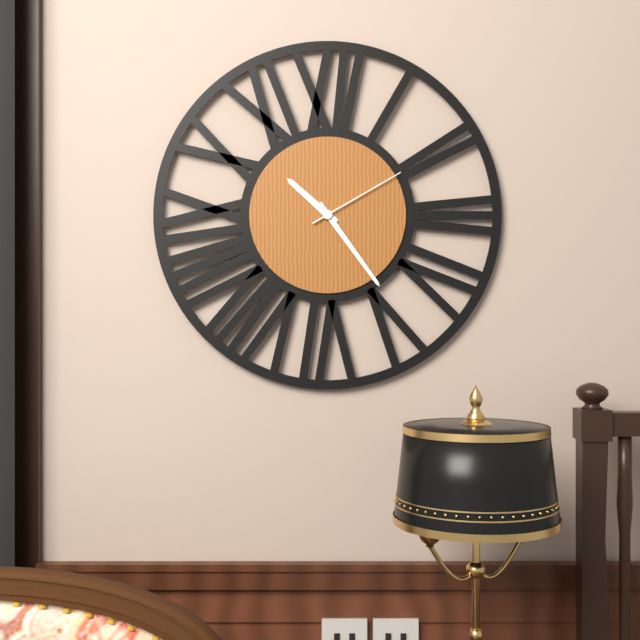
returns 10,24,10
